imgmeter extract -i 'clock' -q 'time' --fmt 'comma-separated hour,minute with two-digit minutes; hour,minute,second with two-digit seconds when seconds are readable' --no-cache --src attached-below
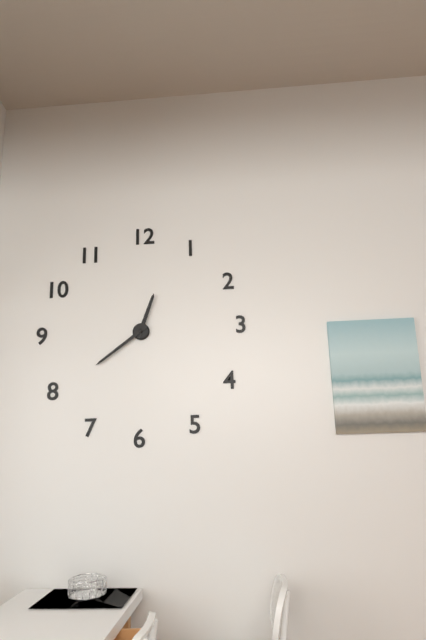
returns 12,39
